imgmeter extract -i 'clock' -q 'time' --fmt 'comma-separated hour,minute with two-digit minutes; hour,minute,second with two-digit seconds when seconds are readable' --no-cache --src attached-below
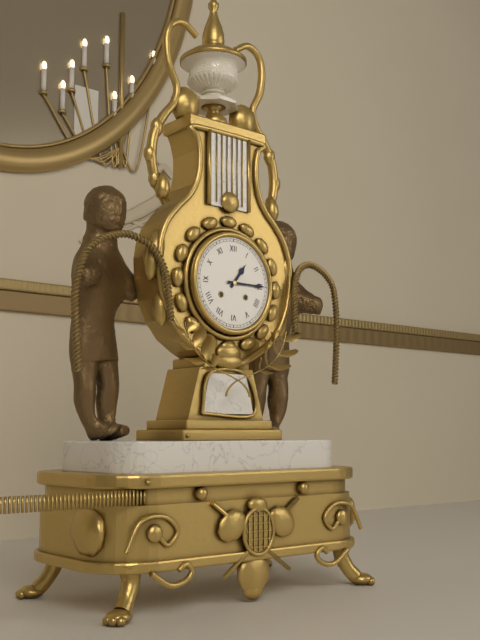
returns 1,15
